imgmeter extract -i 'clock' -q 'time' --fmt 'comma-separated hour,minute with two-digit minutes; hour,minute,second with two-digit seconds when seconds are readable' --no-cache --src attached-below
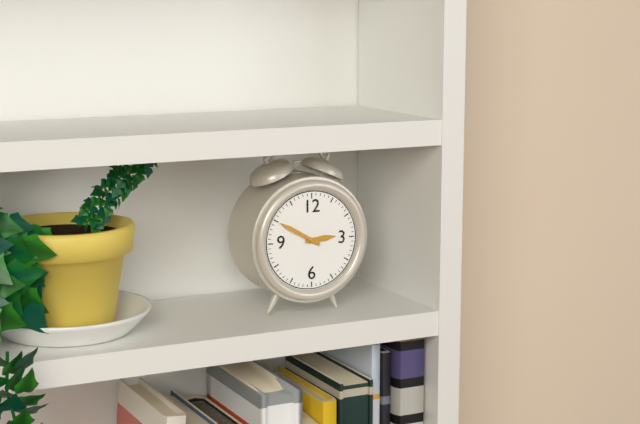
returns 2,50
